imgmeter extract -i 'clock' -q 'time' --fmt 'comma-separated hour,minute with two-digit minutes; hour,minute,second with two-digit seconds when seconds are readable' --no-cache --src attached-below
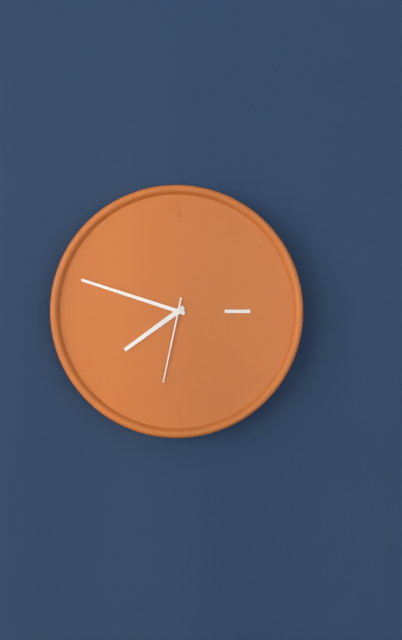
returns 7,48,32
